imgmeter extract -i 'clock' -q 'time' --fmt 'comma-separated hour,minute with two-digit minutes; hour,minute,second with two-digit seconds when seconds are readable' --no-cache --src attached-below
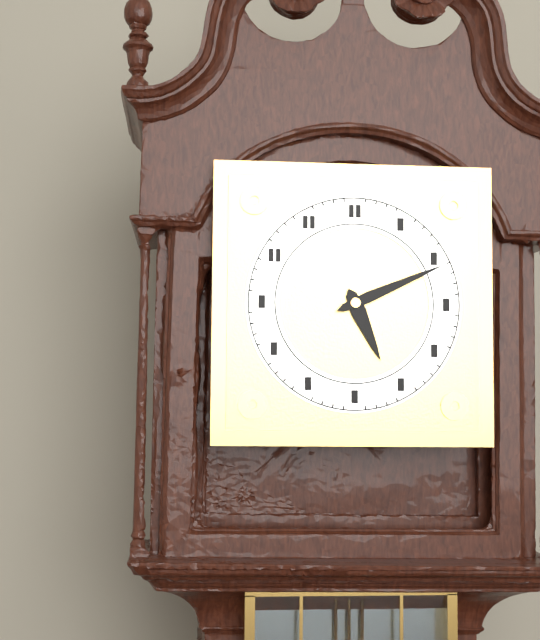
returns 5,11
